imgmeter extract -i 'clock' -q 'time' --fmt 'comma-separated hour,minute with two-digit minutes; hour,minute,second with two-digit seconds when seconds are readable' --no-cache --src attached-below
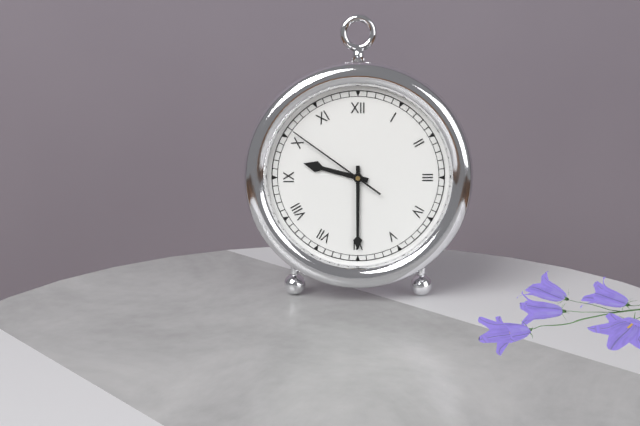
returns 9,30,51
